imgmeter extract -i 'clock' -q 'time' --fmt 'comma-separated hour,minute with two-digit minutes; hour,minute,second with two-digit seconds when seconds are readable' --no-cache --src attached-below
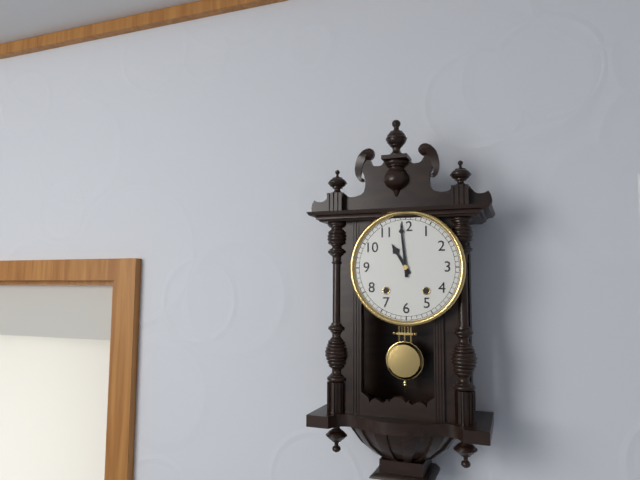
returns 10,59
